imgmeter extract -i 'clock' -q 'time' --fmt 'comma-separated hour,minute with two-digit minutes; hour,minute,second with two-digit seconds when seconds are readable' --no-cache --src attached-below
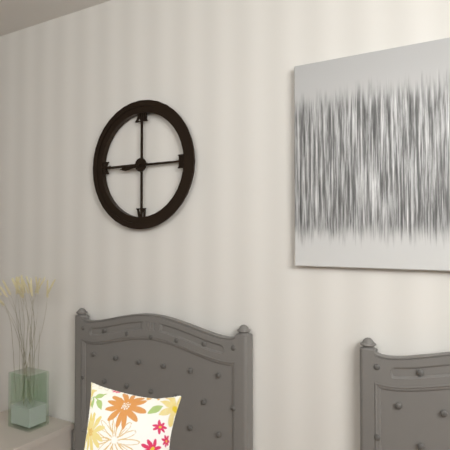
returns 8,45
